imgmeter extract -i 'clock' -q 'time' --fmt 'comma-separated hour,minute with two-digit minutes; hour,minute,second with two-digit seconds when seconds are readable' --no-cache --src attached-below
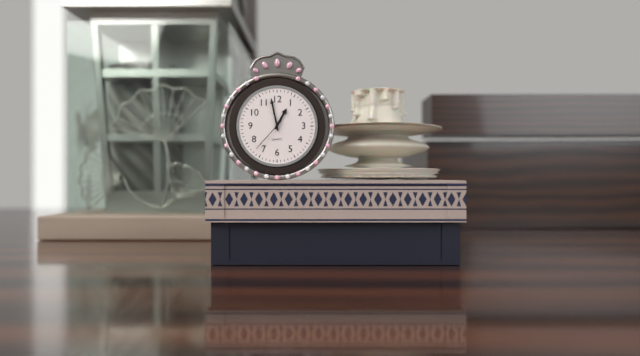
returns 12,58
